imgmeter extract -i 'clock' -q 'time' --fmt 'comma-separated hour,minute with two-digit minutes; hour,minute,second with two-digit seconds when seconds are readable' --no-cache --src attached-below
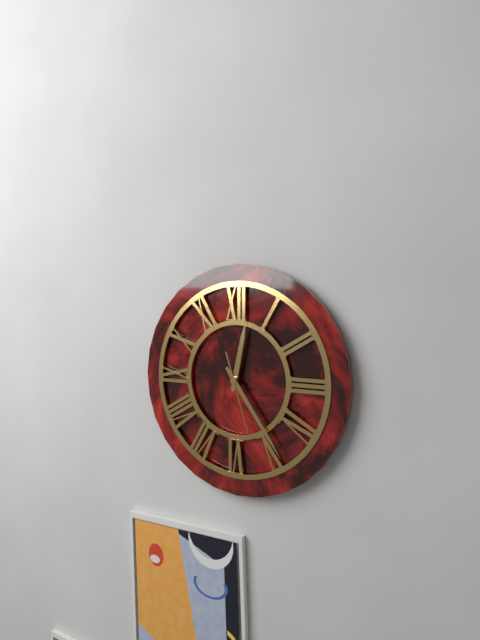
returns 12,24,27
